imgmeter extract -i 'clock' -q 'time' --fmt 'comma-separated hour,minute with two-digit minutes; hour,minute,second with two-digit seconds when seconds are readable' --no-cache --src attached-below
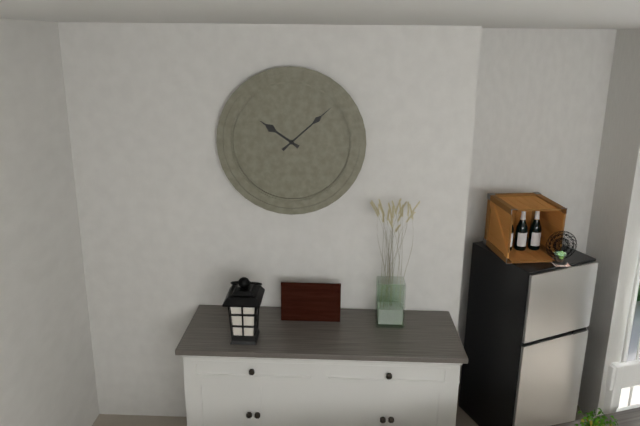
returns 10,08
